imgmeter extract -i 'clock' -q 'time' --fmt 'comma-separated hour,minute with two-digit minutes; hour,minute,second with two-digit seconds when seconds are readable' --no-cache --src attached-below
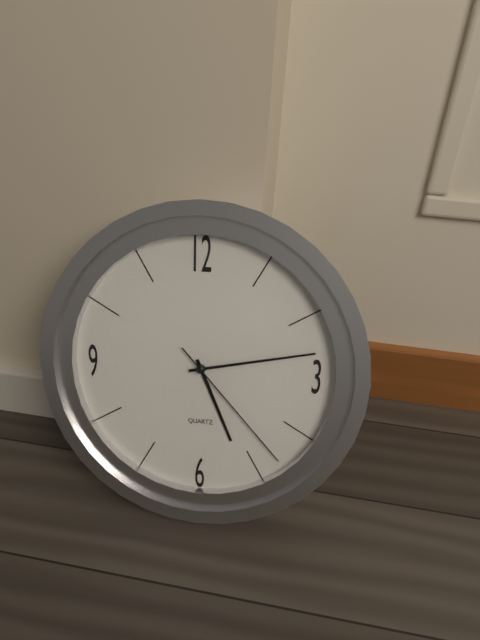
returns 5,13,23
